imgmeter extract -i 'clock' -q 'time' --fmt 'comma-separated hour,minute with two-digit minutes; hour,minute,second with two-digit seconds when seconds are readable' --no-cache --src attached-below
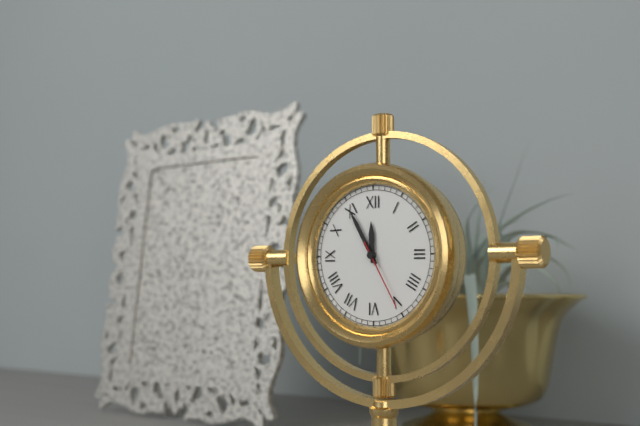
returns 11,55,25
